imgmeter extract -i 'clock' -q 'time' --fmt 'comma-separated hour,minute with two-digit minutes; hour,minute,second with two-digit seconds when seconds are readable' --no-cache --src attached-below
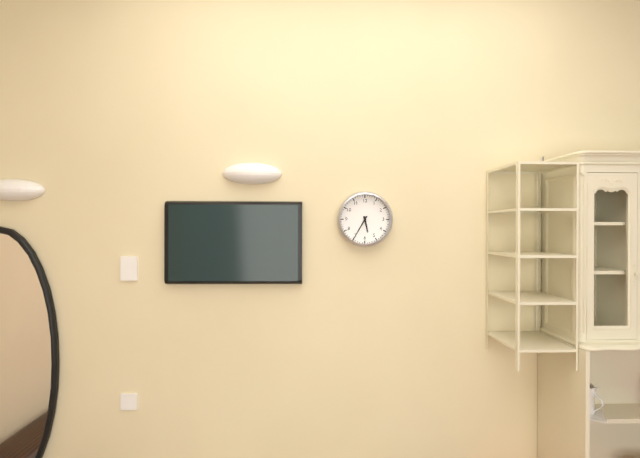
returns 5,35
